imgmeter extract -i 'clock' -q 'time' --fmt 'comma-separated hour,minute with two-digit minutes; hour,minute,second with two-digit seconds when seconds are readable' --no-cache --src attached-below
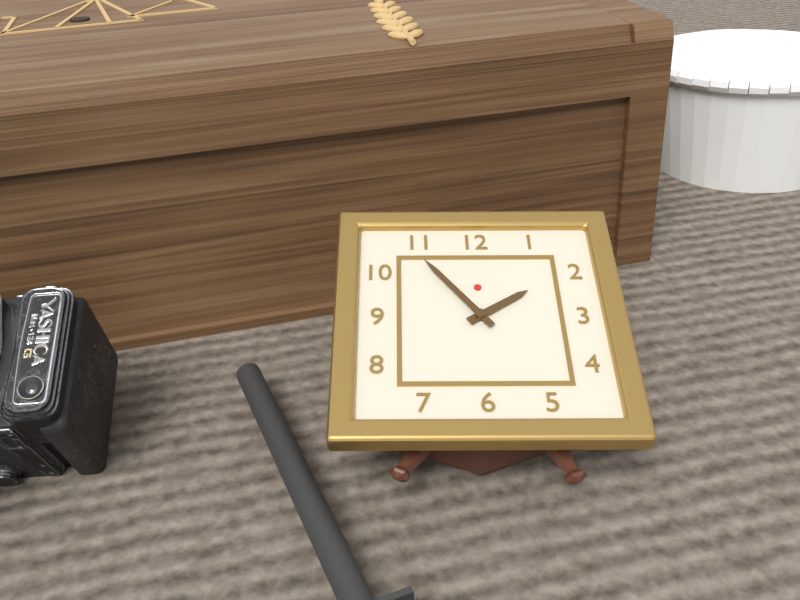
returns 1,54
